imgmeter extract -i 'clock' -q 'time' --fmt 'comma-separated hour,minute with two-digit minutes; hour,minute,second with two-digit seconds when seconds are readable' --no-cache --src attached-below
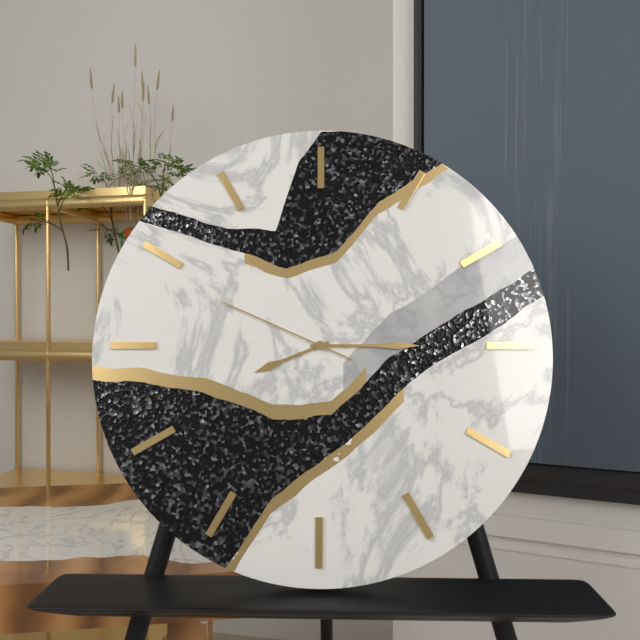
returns 8,15,49
